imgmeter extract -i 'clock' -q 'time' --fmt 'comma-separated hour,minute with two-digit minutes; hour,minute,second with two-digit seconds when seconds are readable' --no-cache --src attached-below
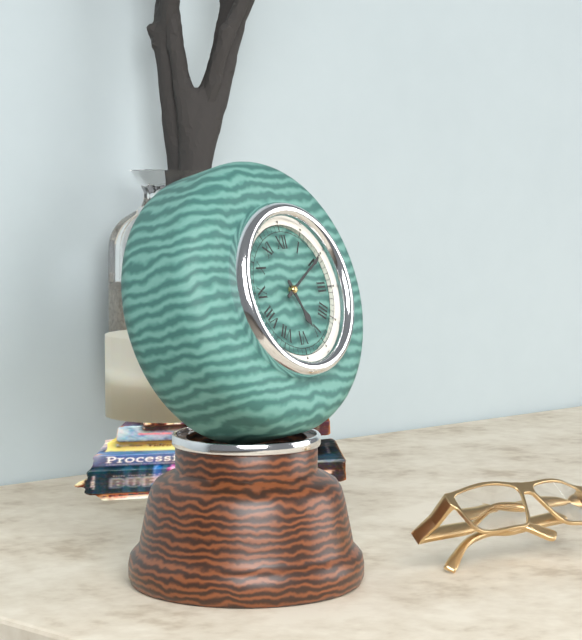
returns 5,10
